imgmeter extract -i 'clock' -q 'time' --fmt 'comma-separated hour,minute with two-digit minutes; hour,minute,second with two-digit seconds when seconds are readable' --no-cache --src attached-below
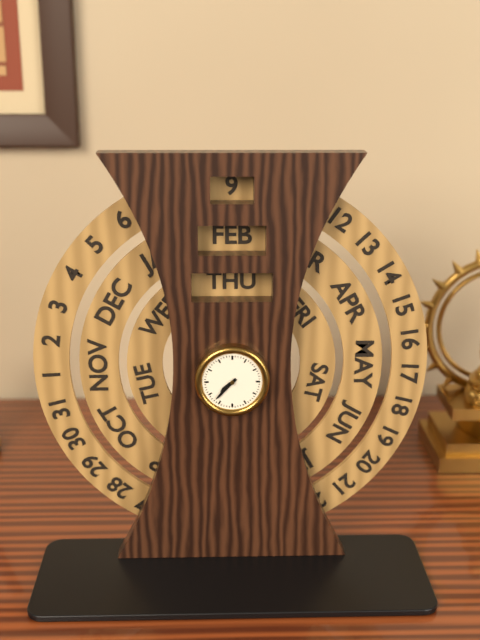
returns 7,37
